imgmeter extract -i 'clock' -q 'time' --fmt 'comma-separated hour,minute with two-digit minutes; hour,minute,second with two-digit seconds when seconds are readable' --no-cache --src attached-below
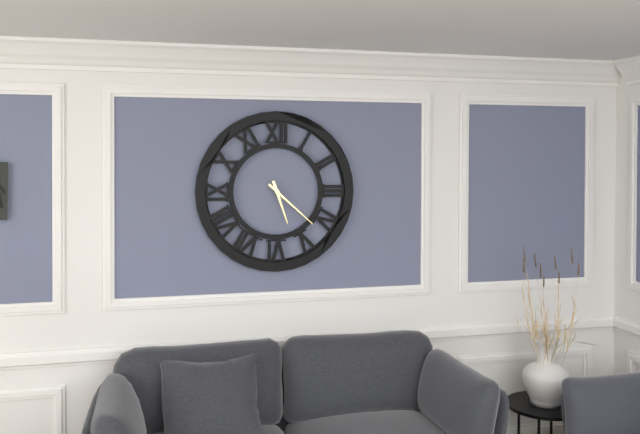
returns 5,22
